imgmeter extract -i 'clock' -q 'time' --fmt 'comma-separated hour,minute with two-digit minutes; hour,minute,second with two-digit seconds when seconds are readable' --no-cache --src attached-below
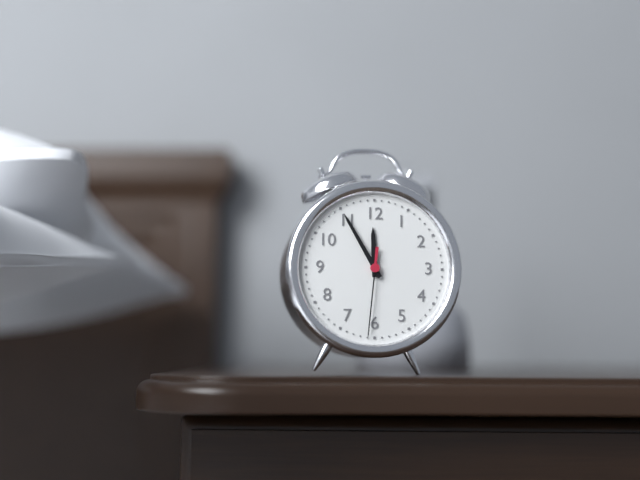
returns 11,55,31
